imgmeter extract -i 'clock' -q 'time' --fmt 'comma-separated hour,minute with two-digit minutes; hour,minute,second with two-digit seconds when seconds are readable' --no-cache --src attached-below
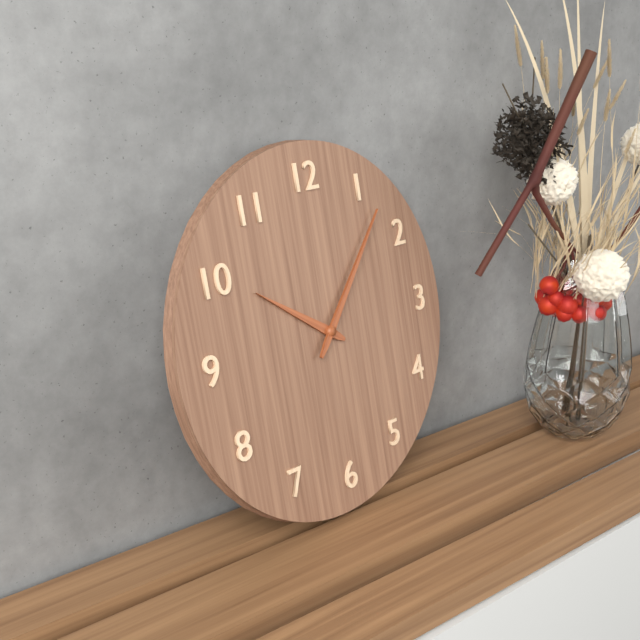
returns 10,07
